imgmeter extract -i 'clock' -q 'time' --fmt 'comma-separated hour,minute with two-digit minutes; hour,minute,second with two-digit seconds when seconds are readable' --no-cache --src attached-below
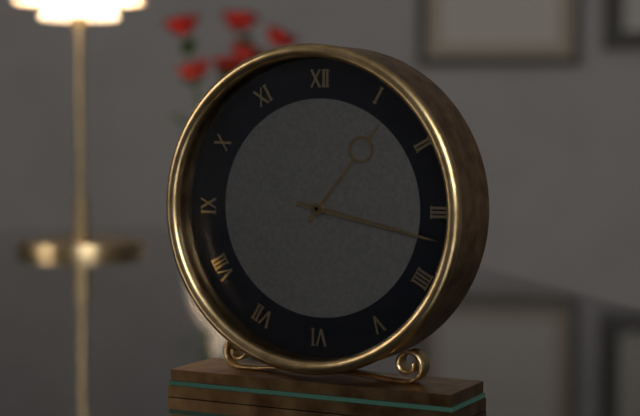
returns 1,17
